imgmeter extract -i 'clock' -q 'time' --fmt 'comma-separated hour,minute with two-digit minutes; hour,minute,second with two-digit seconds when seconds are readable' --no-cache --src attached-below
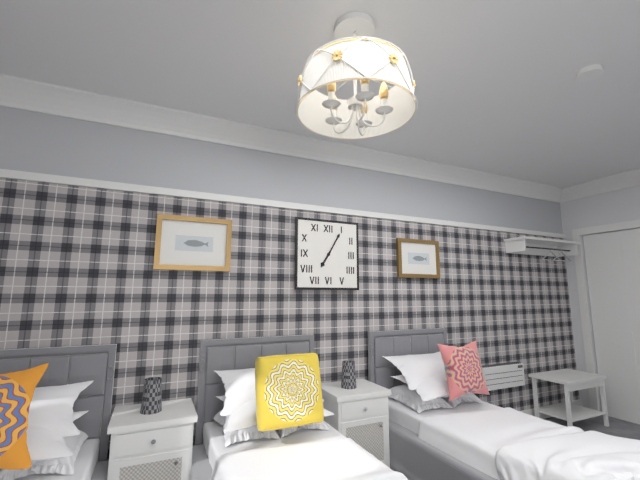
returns 7,05
